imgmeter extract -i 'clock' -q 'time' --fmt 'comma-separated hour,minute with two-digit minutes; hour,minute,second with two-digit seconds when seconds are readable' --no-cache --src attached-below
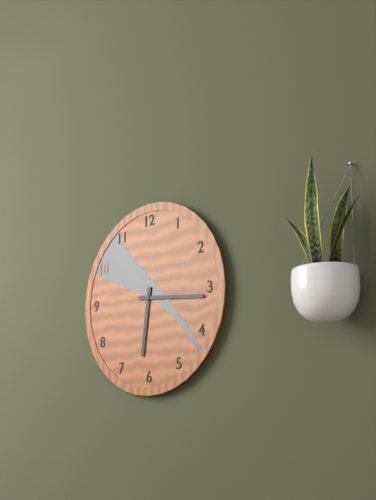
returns 6,16
